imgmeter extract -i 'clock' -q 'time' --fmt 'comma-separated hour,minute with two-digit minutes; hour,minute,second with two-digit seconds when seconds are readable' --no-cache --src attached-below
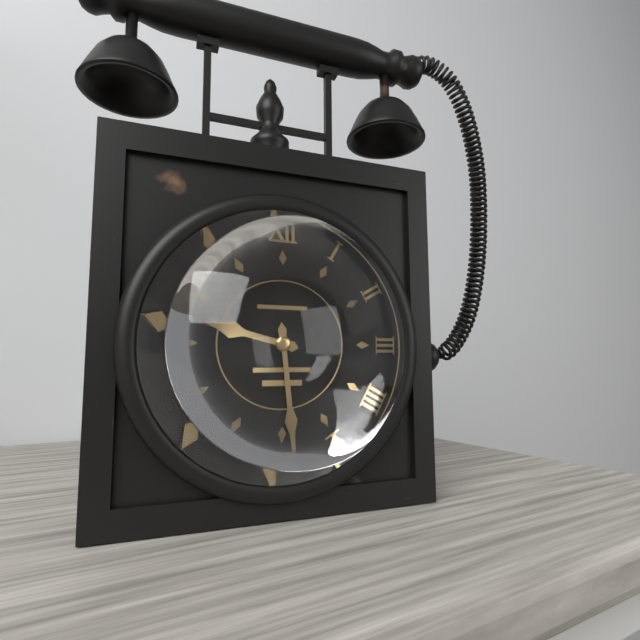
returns 9,29
